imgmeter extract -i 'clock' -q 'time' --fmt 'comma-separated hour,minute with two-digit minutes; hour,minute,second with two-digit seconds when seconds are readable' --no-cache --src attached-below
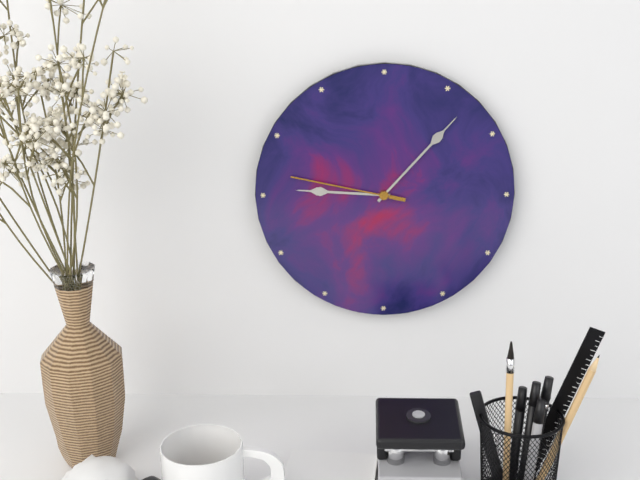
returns 9,07,47
